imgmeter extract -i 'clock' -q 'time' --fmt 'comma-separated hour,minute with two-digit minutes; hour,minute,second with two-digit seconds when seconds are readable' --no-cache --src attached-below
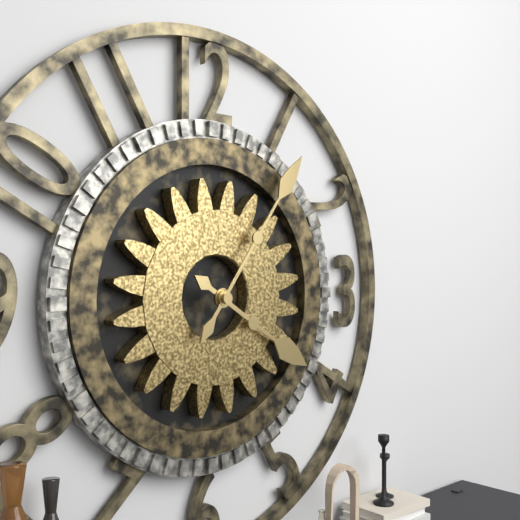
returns 4,06
